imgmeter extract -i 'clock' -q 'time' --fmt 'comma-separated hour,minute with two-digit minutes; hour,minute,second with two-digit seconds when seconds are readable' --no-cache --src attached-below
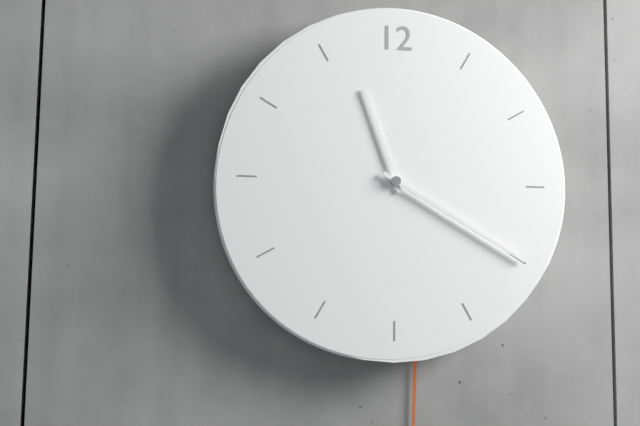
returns 11,20
